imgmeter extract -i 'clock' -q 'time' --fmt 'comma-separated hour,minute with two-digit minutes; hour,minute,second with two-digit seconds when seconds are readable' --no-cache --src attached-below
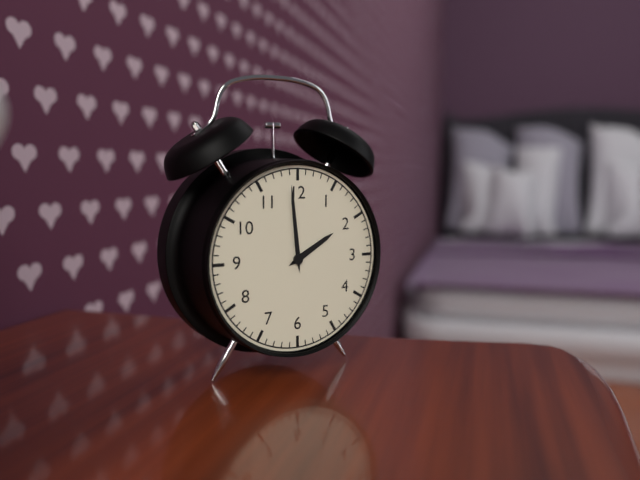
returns 1,59
